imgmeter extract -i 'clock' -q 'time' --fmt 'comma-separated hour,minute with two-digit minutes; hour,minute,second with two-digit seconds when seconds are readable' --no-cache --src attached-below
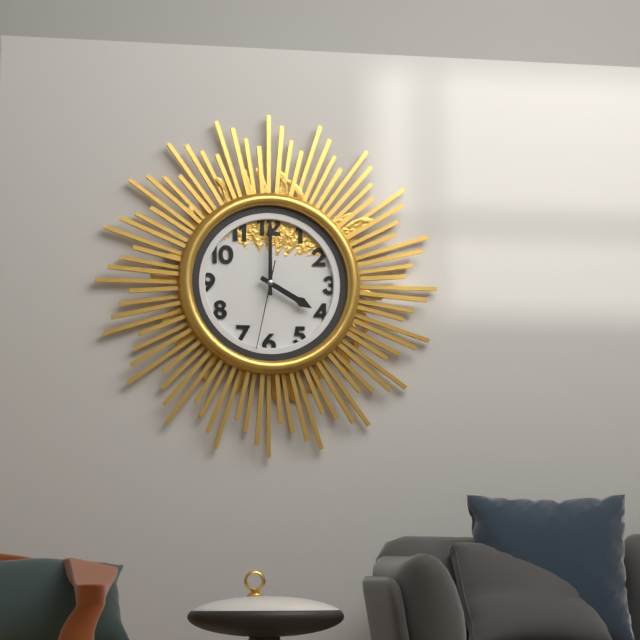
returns 4,00,32
